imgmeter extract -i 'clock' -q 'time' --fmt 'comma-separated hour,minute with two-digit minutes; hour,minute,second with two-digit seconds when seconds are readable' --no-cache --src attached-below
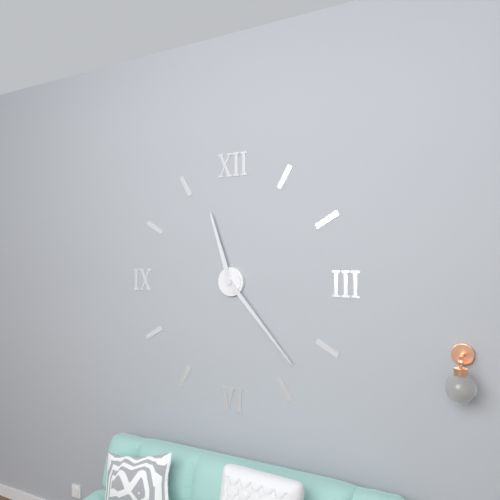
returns 11,23
